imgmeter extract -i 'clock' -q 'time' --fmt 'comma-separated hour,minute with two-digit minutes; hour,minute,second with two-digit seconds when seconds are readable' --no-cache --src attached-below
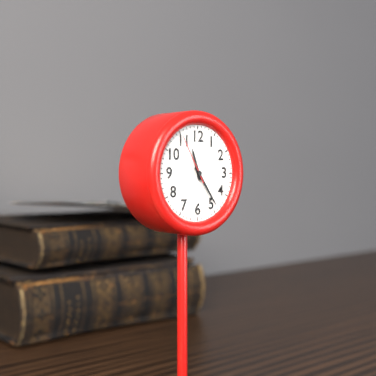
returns 11,24
